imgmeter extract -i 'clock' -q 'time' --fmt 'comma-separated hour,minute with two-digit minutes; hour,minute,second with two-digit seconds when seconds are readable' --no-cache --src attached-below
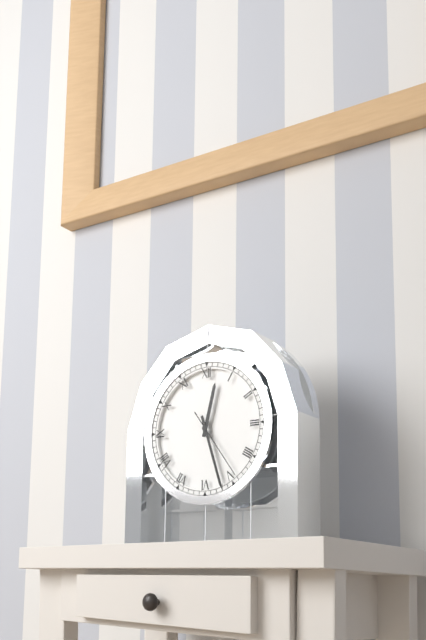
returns 12,27,24
